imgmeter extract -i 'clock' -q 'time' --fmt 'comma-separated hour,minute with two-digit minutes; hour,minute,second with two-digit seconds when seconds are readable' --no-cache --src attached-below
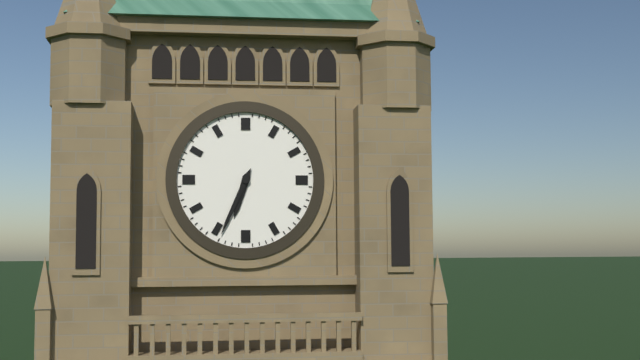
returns 6,34
